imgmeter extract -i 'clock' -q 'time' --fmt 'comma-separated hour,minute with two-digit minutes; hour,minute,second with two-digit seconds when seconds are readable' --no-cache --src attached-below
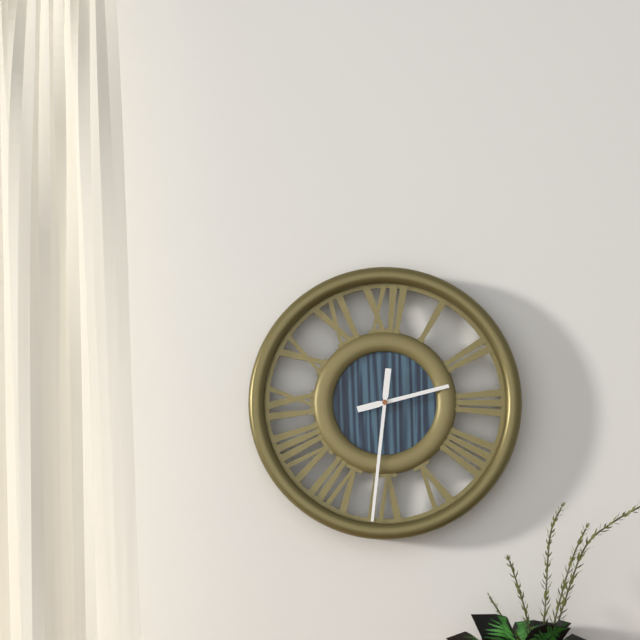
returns 2,31
